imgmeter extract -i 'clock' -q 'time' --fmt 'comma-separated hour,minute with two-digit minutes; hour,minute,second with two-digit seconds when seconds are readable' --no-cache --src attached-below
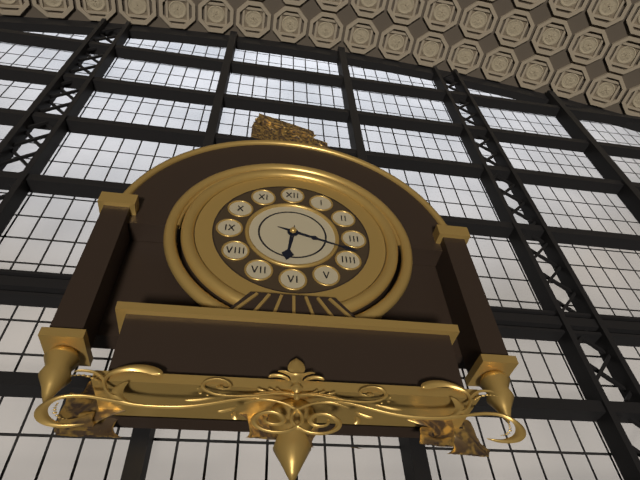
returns 6,18
